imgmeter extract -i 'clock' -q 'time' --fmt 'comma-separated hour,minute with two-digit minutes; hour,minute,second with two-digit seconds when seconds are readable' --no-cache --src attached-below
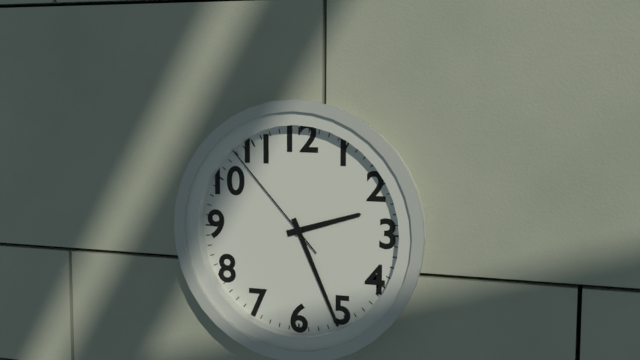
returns 2,26,53
